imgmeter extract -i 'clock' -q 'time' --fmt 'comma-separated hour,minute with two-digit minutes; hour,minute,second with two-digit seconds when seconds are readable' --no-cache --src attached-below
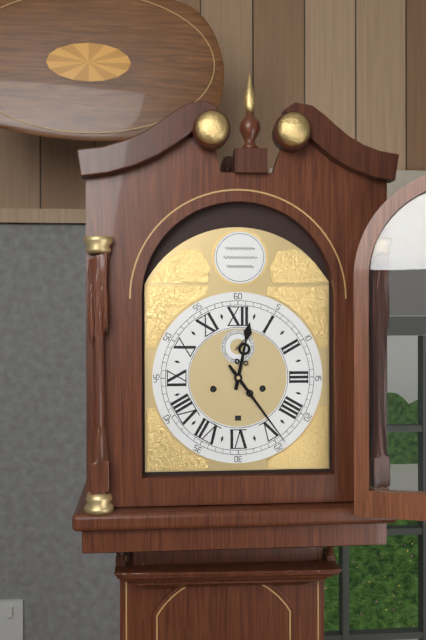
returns 12,24
